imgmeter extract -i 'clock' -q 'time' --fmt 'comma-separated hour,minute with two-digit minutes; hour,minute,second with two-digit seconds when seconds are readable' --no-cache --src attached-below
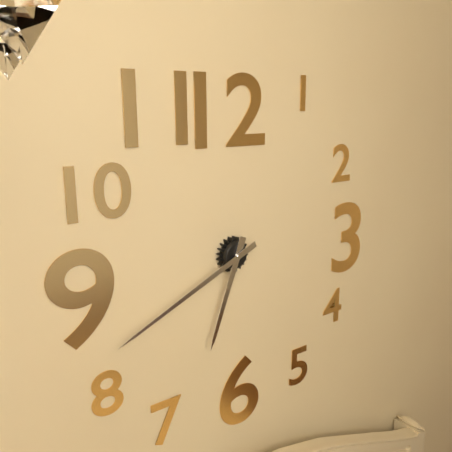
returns 6,41
